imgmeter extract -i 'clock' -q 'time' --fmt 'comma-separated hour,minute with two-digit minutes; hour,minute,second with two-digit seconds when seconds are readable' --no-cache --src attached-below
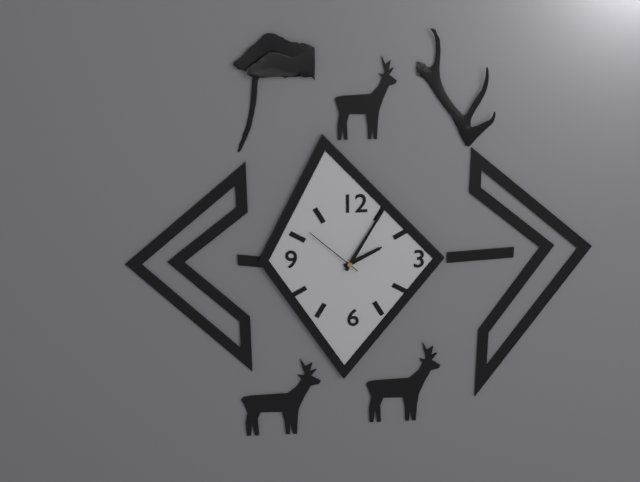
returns 2,05,52
